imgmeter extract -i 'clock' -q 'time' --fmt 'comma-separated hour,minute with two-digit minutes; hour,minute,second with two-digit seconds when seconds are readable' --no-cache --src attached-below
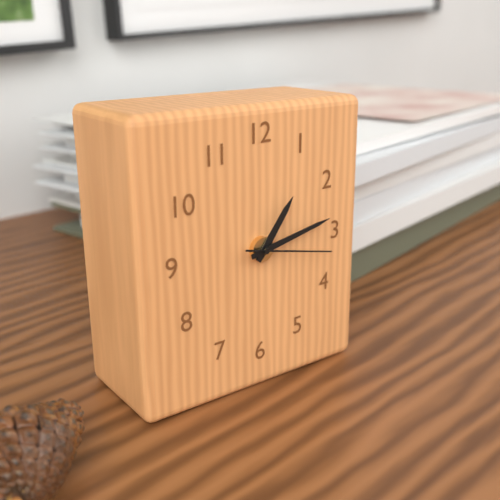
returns 1,13,17
